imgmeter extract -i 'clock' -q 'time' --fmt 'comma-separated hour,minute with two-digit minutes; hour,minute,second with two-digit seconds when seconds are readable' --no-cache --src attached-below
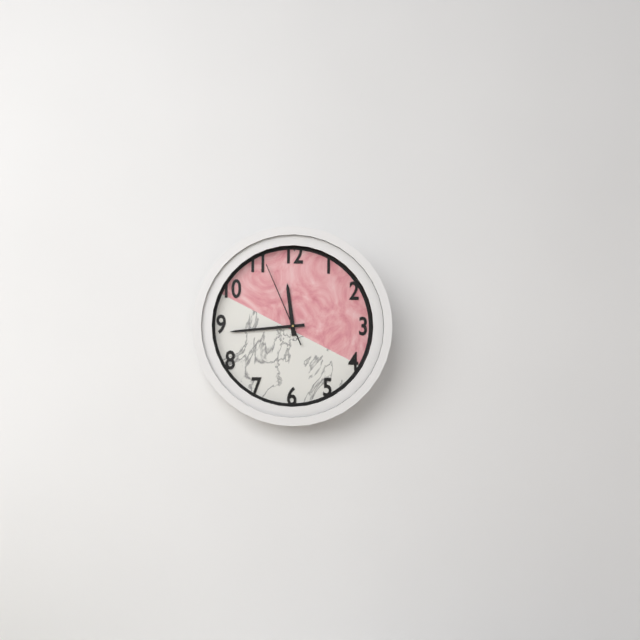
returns 11,44,56
